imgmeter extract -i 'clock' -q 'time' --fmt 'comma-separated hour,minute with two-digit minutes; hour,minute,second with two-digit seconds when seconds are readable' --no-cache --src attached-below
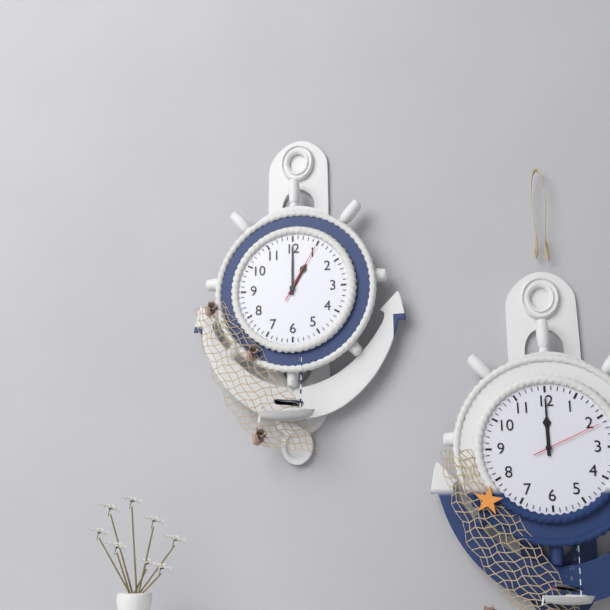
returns 1,00,05
